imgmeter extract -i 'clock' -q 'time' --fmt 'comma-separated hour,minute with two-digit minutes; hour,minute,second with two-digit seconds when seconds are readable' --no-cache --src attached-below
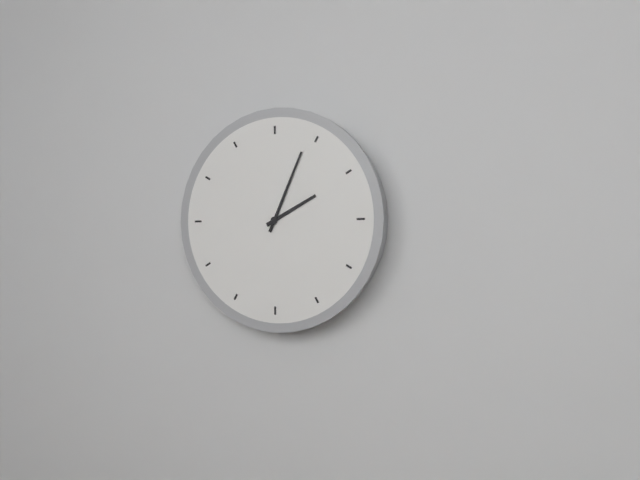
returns 2,04
